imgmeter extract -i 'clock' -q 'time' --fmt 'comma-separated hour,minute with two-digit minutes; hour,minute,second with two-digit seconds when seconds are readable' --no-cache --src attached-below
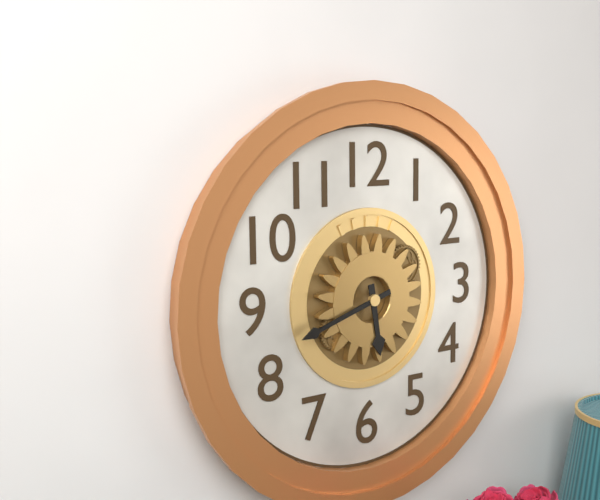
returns 5,42
